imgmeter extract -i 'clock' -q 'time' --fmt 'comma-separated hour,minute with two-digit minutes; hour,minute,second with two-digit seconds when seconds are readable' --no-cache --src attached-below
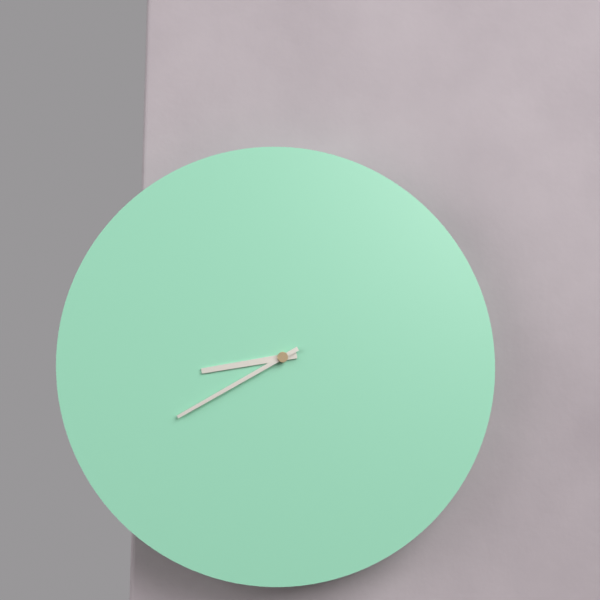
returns 8,40
